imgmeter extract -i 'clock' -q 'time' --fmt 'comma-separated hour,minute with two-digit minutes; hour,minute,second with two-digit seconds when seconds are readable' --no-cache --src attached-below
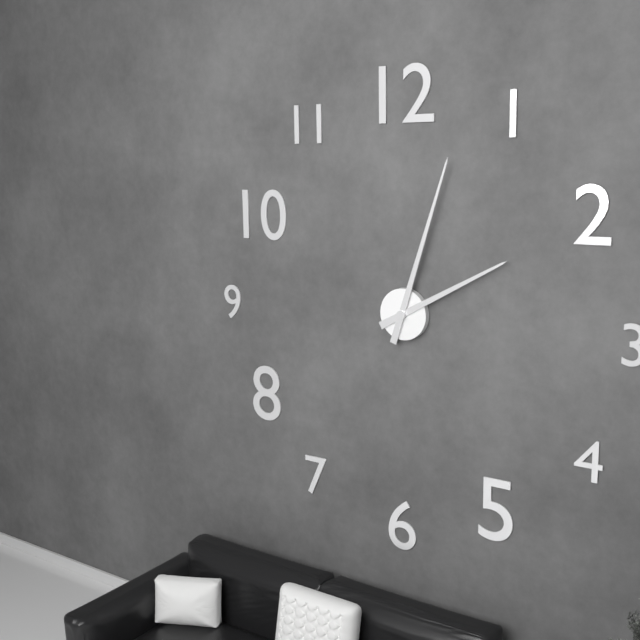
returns 2,03
